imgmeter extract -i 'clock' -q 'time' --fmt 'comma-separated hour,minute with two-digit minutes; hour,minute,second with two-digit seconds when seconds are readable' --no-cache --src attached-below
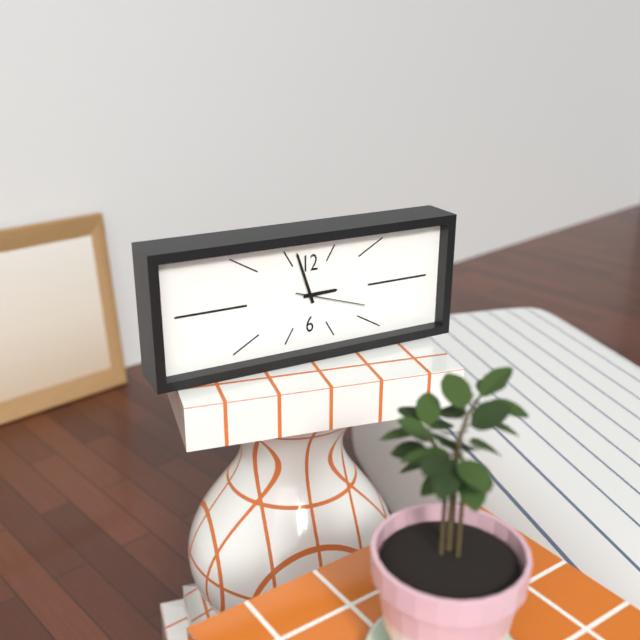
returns 2,57,18
